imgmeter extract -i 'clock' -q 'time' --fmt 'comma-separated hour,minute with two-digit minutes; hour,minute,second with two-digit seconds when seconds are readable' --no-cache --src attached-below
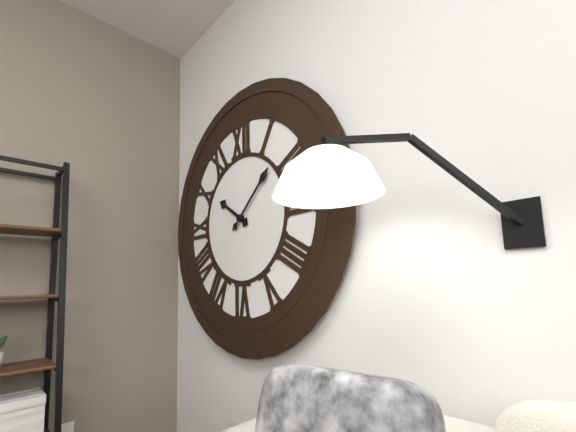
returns 10,08
